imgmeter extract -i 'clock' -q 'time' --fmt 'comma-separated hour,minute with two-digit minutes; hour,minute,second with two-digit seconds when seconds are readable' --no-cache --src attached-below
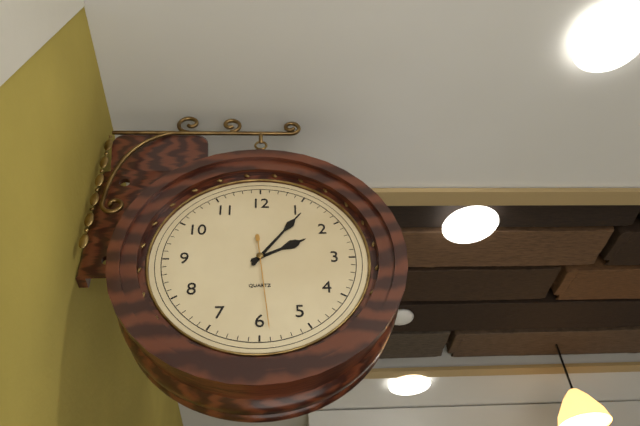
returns 2,06,29
